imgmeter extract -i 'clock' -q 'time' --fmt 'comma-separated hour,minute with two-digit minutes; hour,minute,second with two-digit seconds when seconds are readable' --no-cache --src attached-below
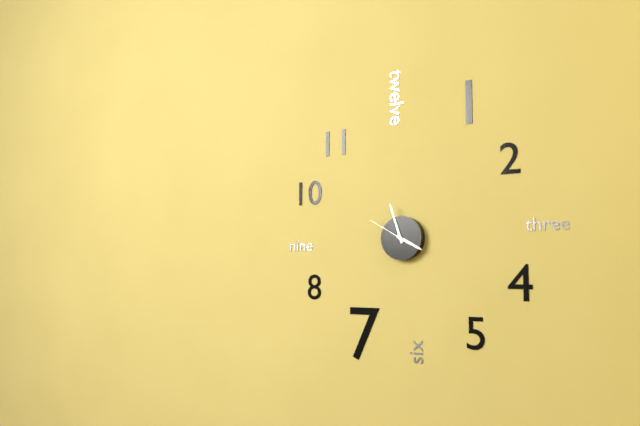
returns 3,57
